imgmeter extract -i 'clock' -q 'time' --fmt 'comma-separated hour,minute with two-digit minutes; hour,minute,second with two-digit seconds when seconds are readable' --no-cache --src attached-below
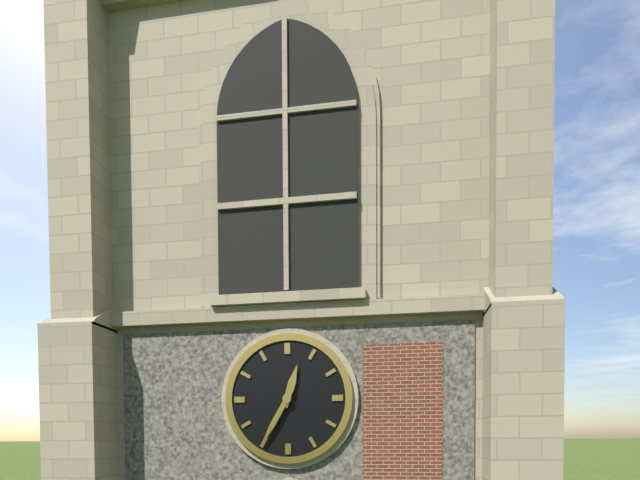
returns 12,35
